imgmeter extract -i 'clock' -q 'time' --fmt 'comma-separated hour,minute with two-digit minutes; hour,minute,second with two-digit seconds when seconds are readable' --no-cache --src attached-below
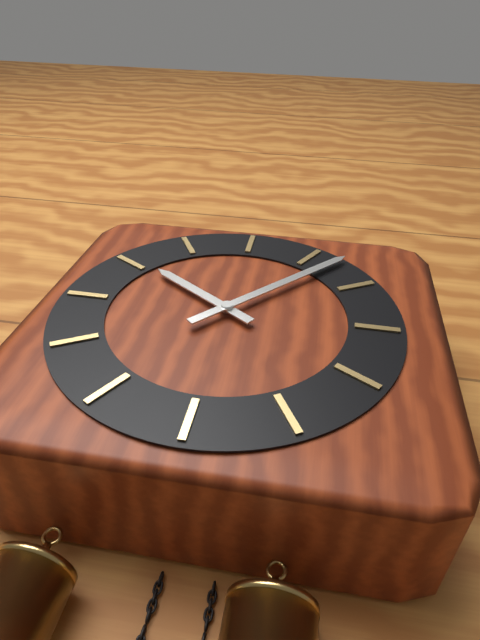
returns 10,07
